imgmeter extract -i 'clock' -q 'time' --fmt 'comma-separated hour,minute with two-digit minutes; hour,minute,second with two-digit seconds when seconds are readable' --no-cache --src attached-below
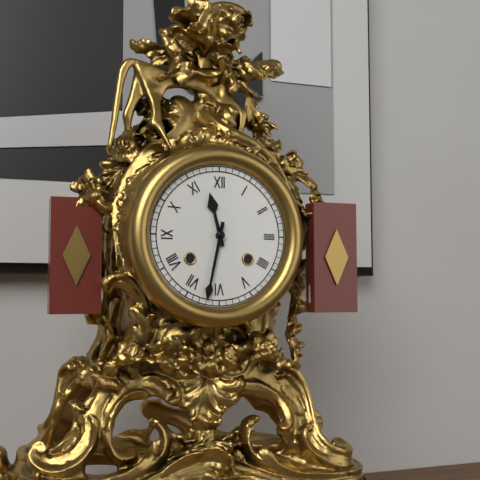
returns 11,32
